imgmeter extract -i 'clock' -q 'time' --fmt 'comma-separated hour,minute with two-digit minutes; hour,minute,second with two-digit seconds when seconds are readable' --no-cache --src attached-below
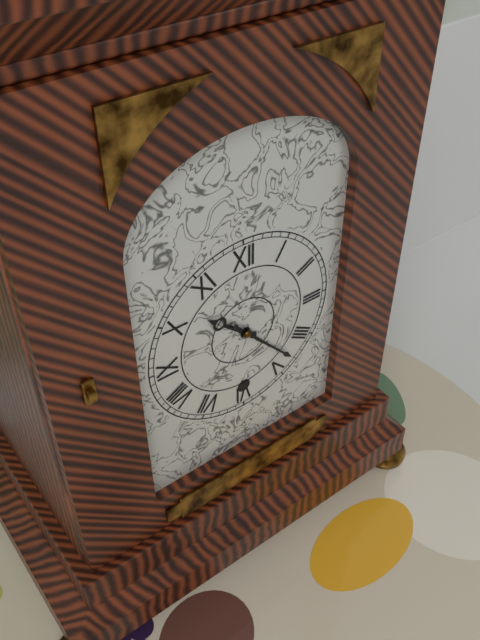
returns 10,23
